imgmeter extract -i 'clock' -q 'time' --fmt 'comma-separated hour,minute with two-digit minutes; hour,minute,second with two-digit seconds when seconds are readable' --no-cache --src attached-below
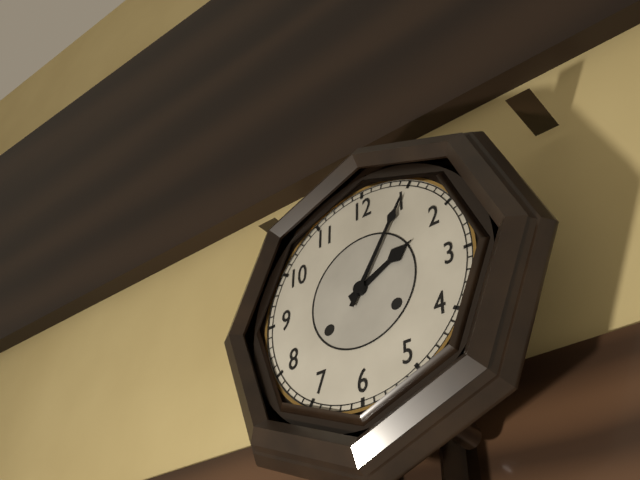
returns 2,05
